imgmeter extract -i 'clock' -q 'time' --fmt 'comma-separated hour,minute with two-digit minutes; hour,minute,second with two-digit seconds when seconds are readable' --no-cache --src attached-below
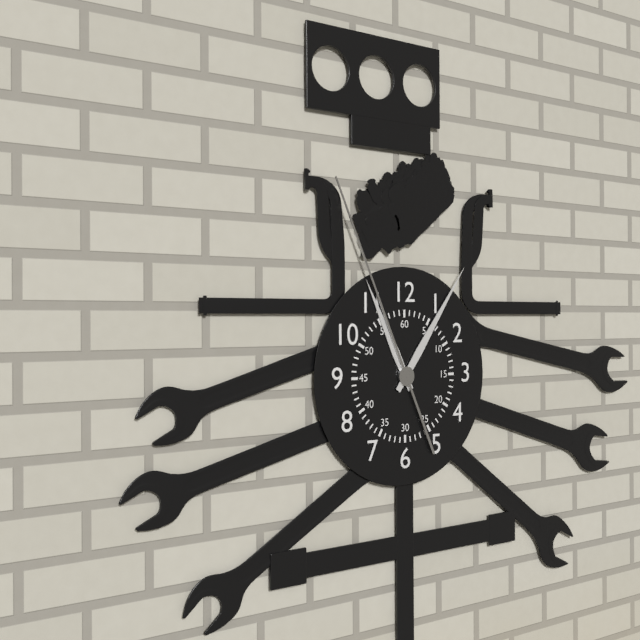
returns 11,06,56
